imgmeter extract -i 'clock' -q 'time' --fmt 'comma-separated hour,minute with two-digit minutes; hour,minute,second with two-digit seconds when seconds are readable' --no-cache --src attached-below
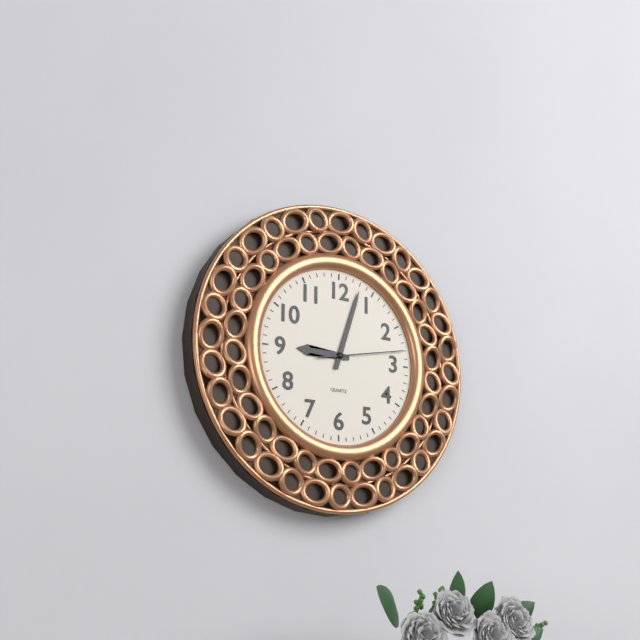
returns 9,03,13
